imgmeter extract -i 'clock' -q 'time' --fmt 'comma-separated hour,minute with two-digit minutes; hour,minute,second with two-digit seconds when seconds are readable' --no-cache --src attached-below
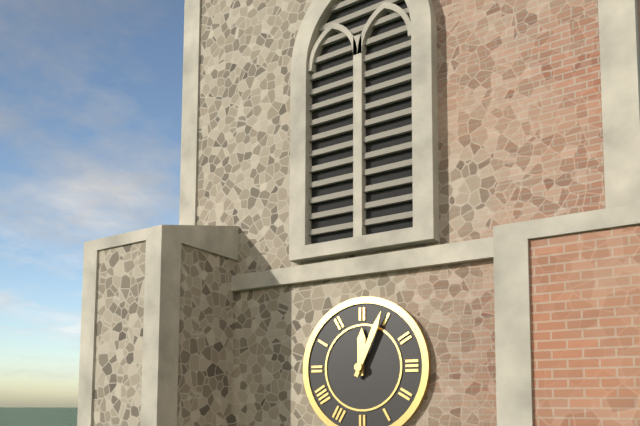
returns 12,04
